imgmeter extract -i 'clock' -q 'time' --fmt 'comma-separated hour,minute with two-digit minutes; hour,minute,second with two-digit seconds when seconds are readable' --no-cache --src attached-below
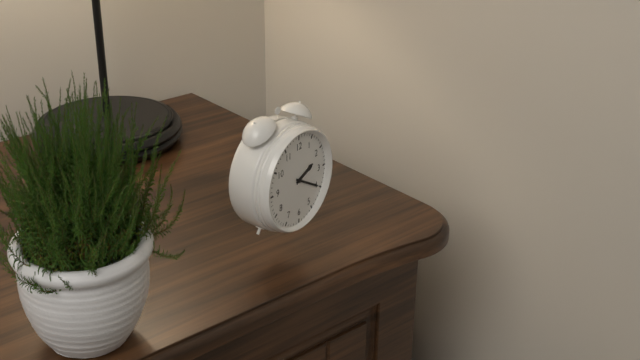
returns 2,20
